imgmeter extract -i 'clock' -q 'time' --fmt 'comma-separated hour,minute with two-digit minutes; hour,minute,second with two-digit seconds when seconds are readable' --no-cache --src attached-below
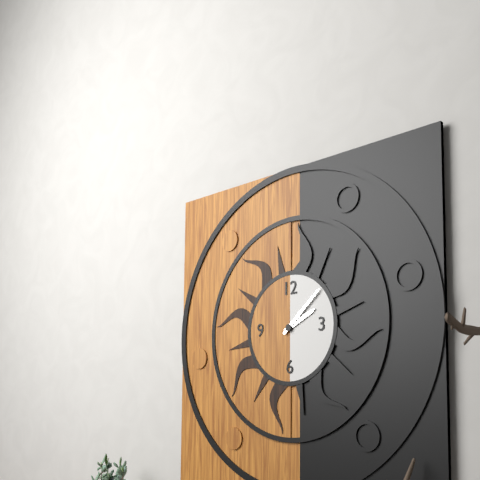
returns 2,08
